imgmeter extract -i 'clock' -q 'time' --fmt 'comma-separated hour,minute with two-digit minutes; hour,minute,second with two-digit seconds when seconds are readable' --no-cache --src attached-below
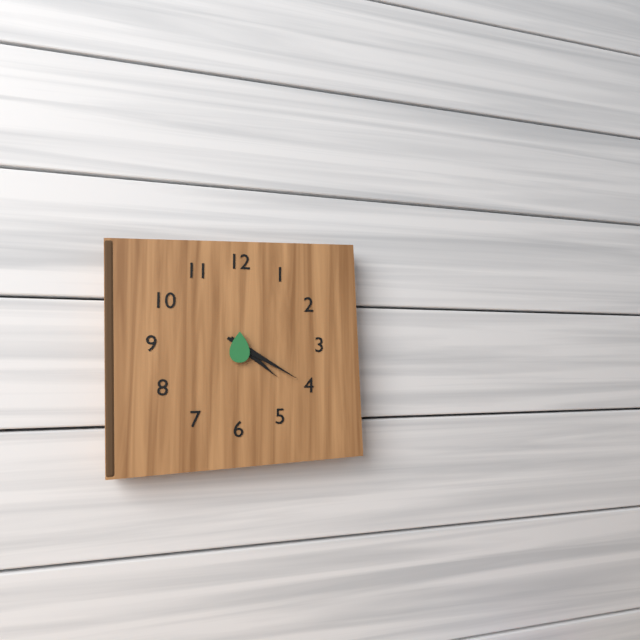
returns 4,20
